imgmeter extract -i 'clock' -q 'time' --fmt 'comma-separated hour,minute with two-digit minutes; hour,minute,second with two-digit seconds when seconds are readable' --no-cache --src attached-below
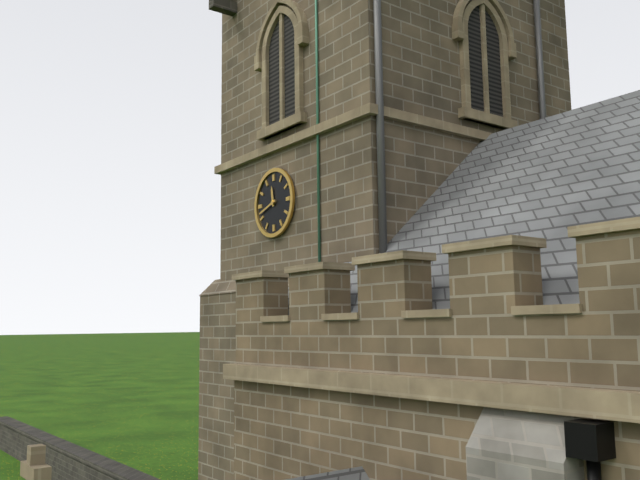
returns 11,42
